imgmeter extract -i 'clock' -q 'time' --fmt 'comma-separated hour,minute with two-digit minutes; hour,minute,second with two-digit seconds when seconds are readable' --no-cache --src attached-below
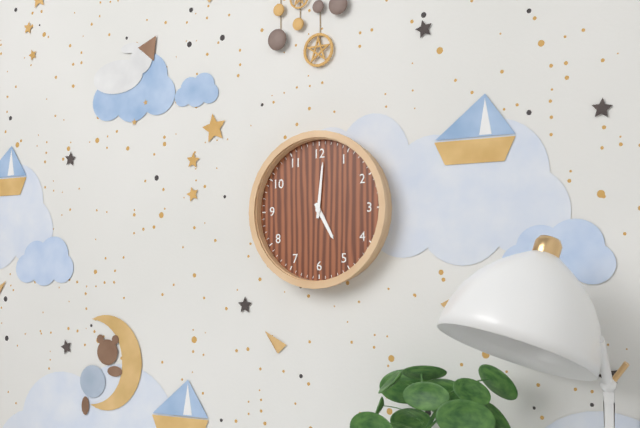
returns 5,01
